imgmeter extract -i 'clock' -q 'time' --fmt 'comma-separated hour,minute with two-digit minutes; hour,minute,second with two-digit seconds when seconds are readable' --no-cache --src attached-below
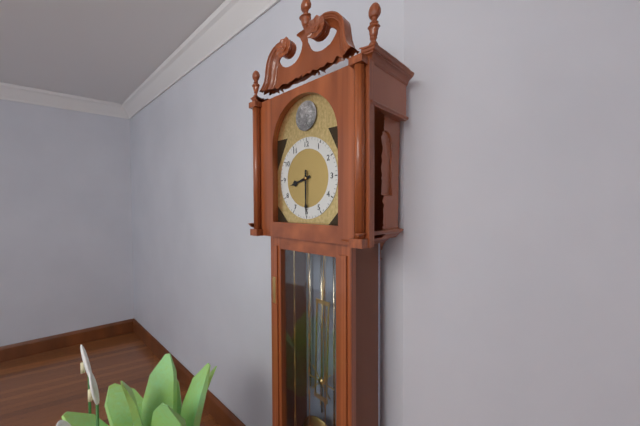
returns 8,30
